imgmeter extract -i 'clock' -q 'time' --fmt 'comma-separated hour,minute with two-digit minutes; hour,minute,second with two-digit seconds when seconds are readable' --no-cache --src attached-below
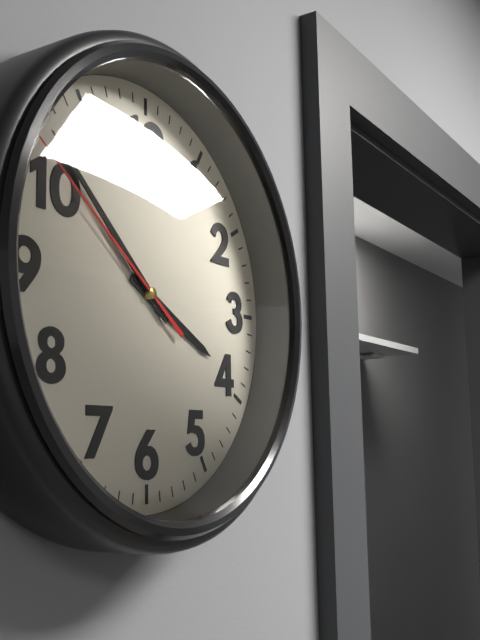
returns 3,52,51
